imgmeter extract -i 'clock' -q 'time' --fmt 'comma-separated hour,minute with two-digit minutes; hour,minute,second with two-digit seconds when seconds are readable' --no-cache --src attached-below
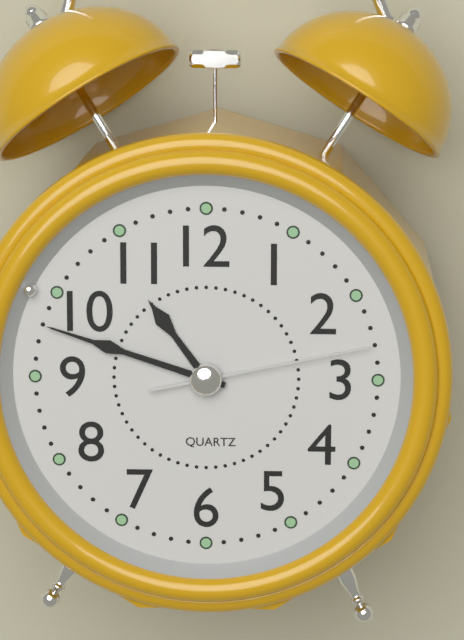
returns 10,48,13
